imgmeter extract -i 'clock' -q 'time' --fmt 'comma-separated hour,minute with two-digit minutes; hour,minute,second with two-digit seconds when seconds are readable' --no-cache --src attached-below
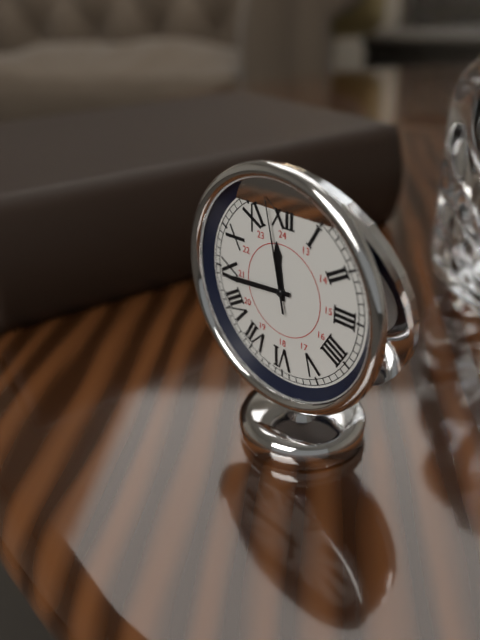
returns 11,44,58
